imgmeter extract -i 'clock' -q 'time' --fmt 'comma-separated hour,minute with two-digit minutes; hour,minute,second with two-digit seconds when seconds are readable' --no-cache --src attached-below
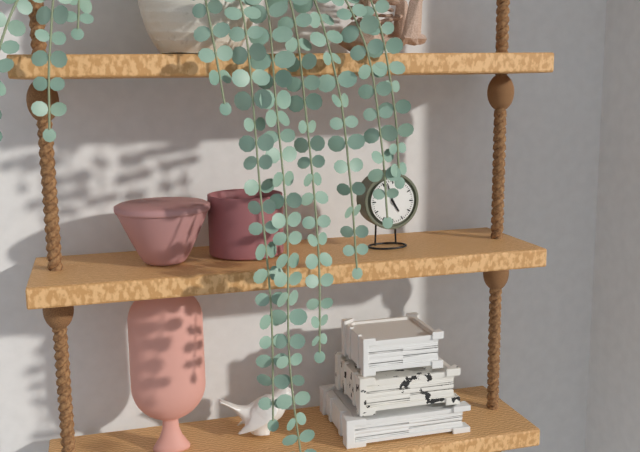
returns 4,57
